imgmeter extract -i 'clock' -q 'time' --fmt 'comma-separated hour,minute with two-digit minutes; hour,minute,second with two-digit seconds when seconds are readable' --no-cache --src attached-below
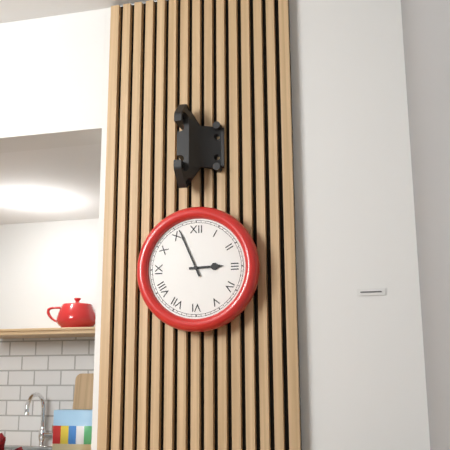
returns 2,56
